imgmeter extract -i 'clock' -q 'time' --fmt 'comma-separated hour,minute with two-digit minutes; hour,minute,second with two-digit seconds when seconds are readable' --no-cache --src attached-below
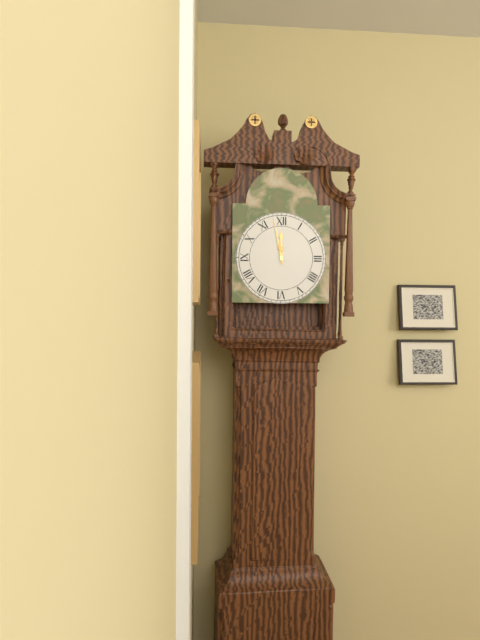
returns 11,58
